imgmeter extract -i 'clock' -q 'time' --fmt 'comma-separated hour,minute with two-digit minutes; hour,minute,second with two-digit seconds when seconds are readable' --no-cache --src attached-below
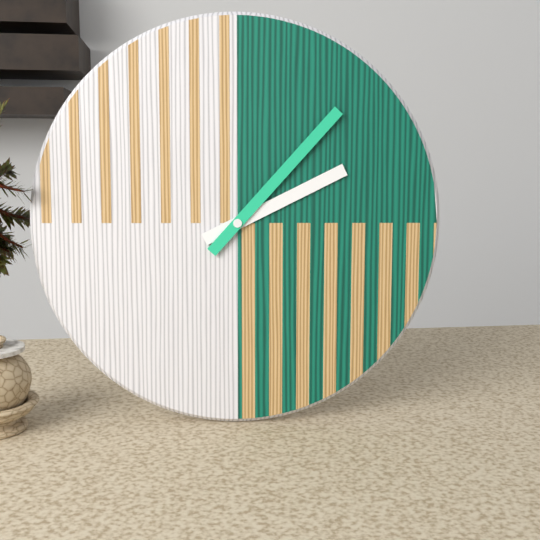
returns 2,07
